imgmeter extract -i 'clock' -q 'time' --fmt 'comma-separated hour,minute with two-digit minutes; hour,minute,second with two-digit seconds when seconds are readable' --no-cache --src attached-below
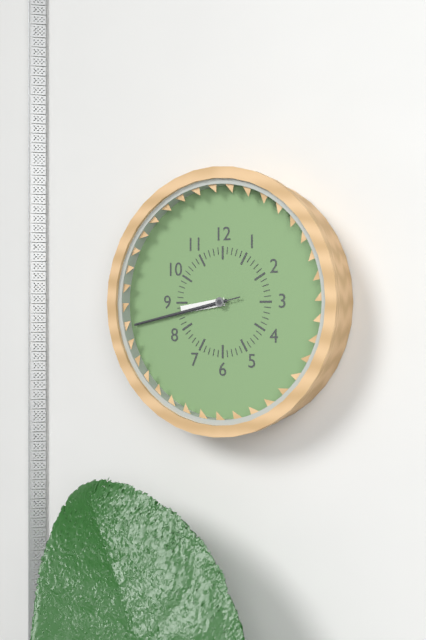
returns 8,43,43
